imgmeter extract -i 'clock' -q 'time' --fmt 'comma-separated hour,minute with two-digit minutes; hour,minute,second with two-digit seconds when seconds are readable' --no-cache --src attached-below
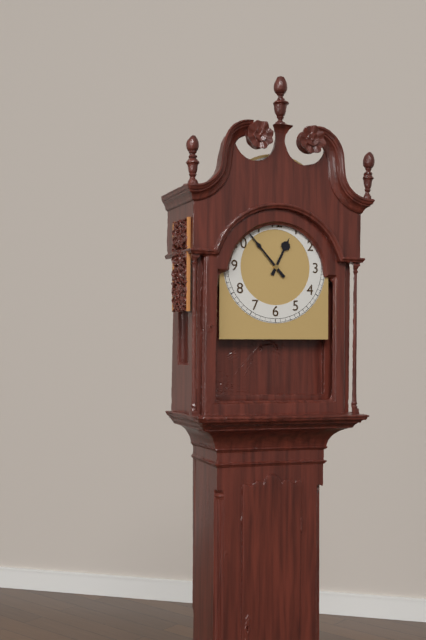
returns 12,53
